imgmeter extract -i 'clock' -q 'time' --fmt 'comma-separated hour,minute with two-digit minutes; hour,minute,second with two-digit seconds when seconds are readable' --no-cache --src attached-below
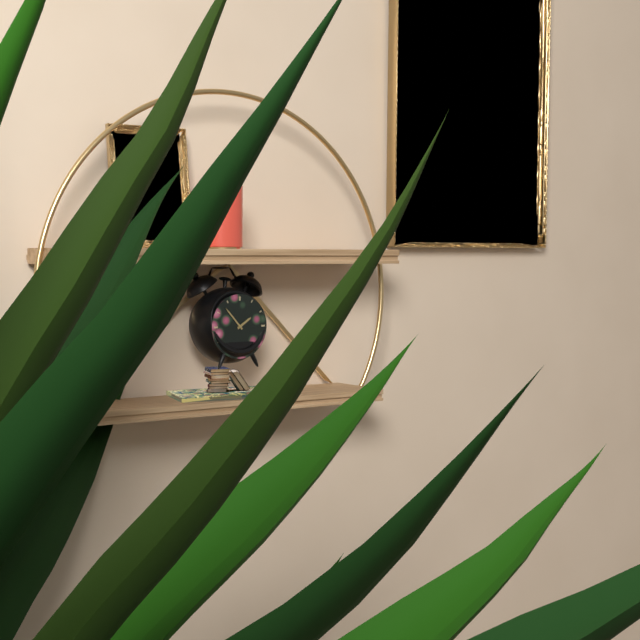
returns 1,53
